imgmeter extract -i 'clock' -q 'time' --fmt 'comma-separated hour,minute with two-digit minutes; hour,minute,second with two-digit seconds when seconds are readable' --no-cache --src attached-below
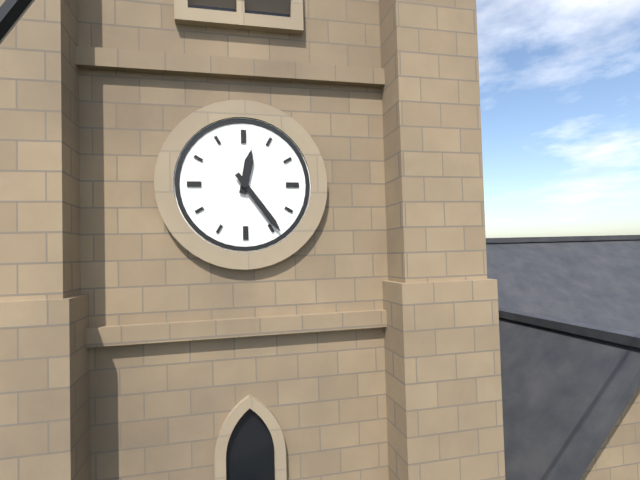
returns 12,24
